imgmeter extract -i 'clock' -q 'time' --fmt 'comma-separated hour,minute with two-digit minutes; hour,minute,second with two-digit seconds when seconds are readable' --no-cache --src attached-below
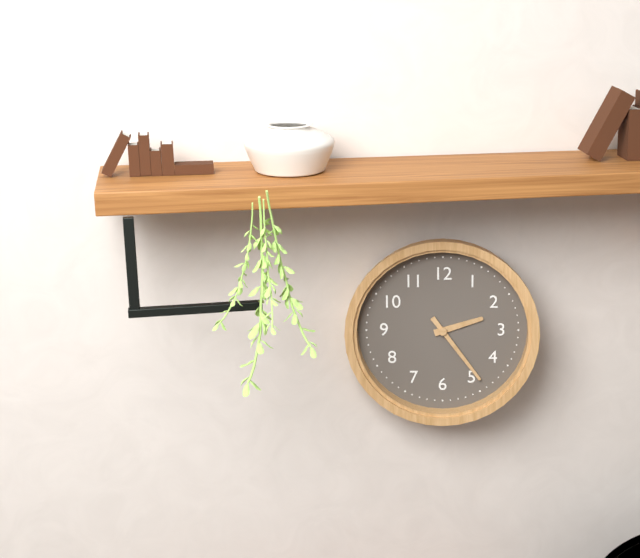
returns 2,24
